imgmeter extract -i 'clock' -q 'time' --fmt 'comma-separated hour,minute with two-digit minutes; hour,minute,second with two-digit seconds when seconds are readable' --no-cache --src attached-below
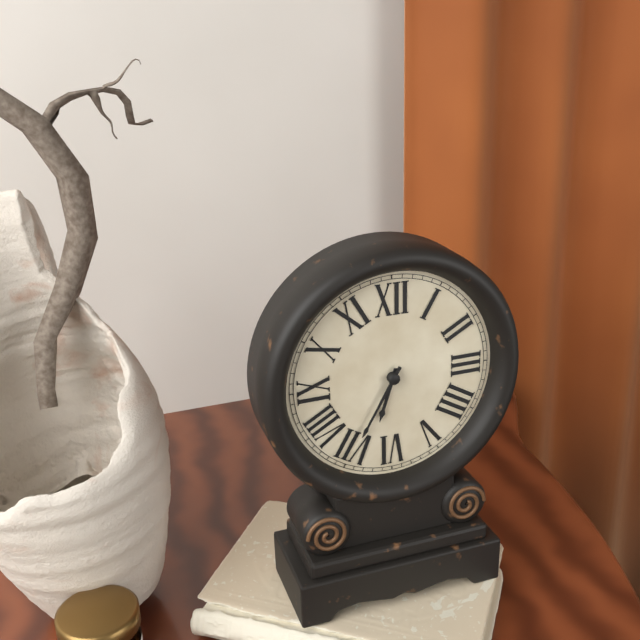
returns 6,35
